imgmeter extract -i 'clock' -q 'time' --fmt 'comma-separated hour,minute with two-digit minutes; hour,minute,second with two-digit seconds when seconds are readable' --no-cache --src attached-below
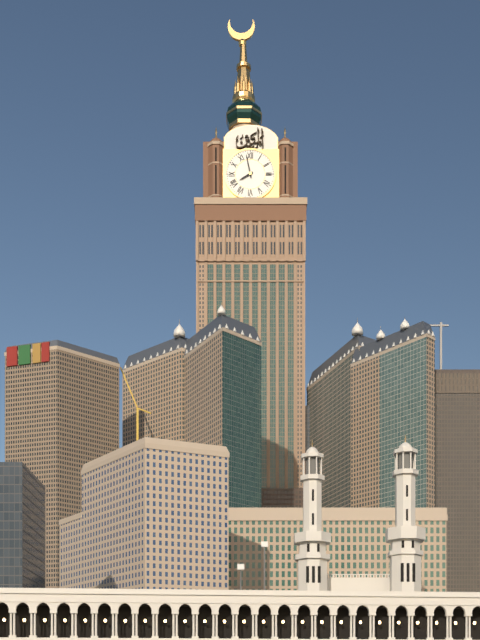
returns 7,58
